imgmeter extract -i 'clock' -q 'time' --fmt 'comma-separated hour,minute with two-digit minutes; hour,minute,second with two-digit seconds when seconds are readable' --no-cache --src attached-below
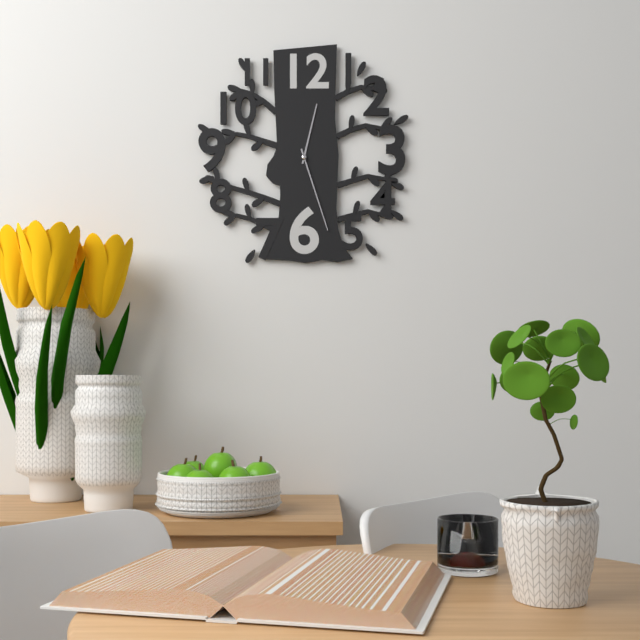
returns 12,27
